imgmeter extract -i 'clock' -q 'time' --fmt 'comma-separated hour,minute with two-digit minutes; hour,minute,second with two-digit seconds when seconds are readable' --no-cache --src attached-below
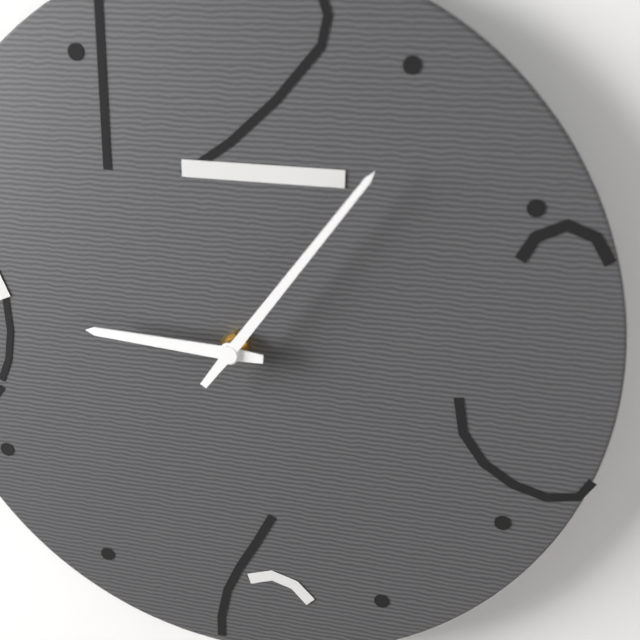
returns 9,06
